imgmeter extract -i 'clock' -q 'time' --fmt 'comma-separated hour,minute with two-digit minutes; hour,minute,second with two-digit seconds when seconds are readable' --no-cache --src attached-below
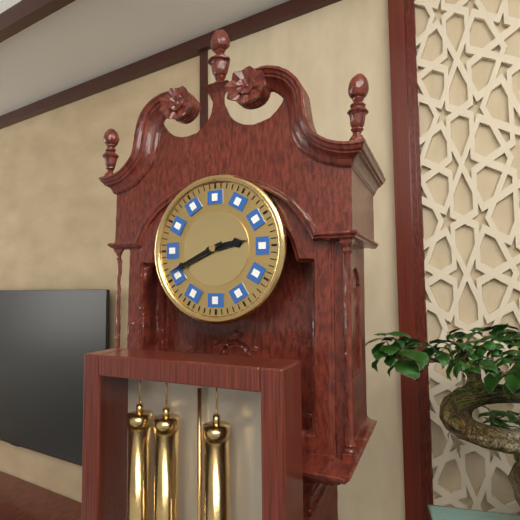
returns 2,41
